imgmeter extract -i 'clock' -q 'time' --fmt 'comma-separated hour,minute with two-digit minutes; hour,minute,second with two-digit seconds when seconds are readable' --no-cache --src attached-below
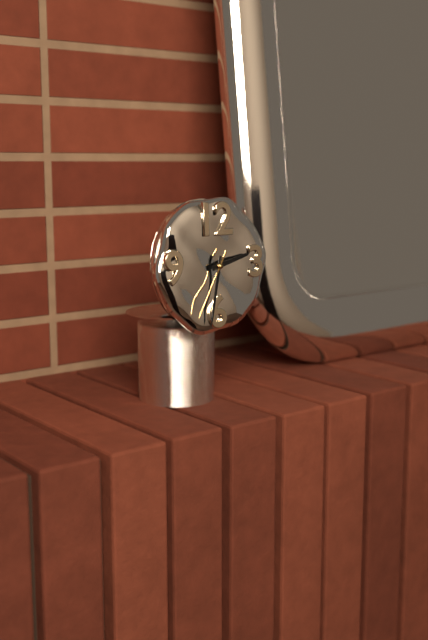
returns 2,32,35
